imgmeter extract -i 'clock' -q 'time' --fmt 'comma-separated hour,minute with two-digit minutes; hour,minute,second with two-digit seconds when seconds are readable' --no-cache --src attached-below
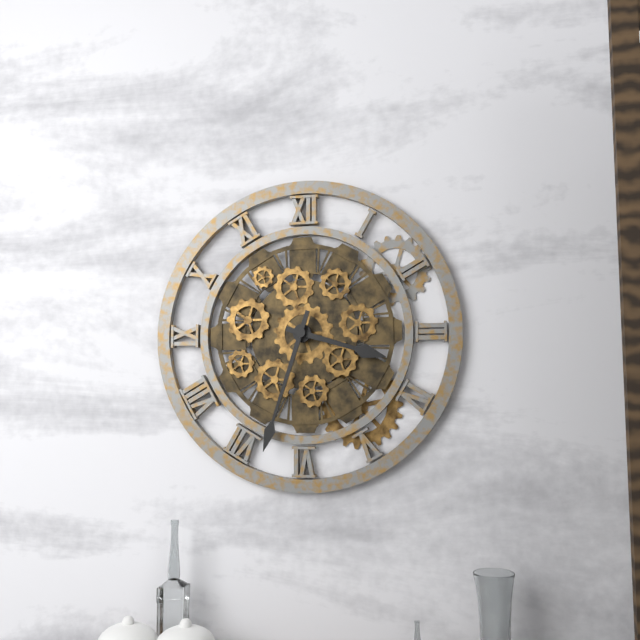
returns 3,33
